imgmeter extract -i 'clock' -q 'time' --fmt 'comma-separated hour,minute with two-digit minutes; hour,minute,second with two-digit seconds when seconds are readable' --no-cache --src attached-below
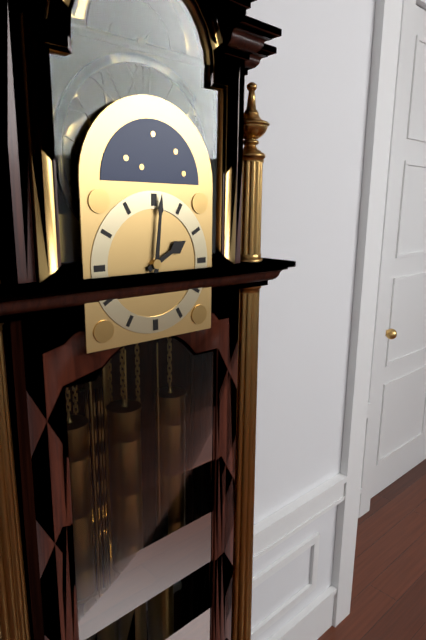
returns 2,01
